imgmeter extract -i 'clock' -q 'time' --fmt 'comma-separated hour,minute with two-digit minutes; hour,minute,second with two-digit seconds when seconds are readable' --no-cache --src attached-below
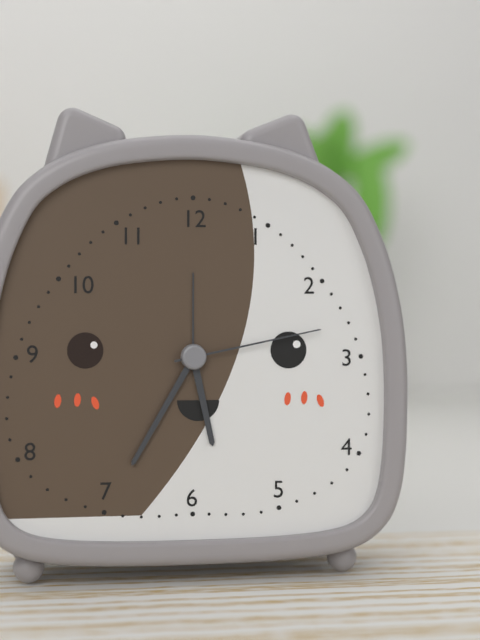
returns 5,35,13
